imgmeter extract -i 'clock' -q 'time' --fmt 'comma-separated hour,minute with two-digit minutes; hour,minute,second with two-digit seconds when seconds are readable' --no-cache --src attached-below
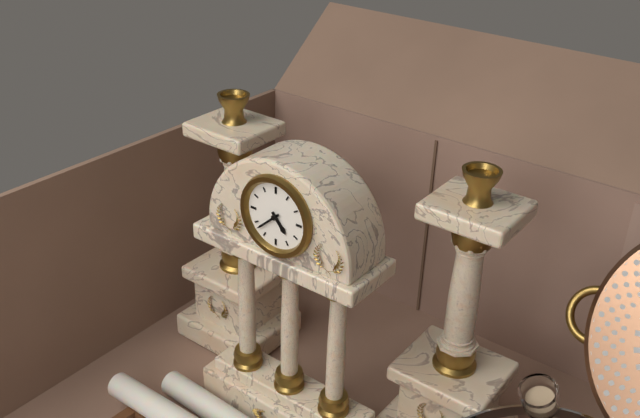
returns 4,38
